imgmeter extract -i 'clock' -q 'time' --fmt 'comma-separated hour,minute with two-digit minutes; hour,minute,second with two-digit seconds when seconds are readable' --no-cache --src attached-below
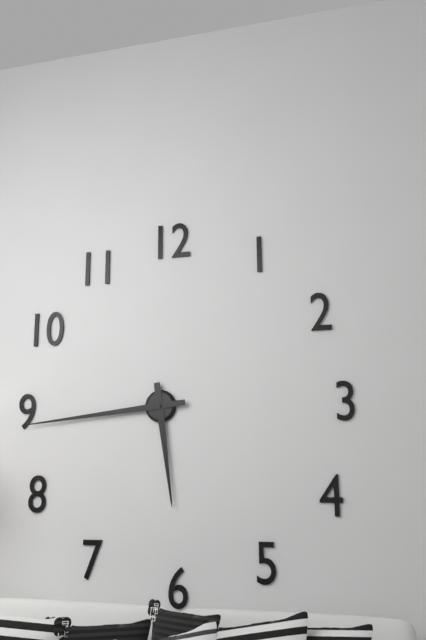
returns 5,44
